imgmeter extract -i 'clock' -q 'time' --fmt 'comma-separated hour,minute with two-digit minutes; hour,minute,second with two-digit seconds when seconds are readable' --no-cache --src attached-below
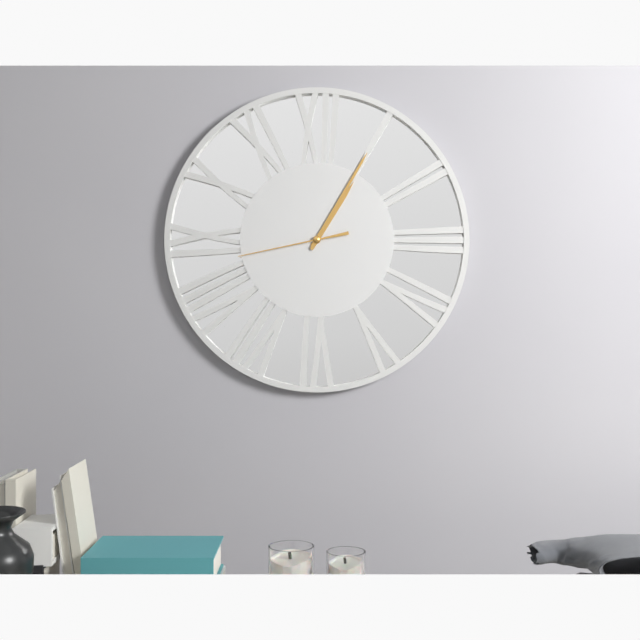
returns 1,05,43
